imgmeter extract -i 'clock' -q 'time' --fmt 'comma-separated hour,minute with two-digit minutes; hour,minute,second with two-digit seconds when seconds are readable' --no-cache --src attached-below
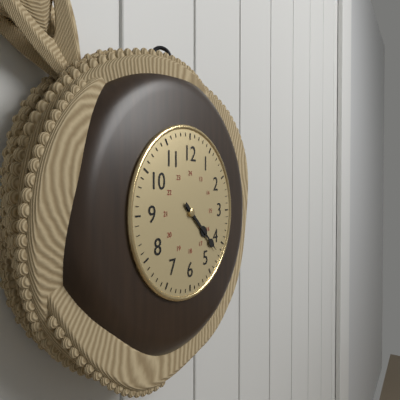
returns 4,22
